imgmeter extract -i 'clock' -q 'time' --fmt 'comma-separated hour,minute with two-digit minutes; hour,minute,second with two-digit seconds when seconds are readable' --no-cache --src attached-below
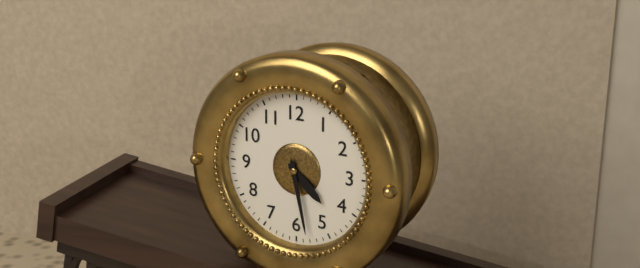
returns 4,28
